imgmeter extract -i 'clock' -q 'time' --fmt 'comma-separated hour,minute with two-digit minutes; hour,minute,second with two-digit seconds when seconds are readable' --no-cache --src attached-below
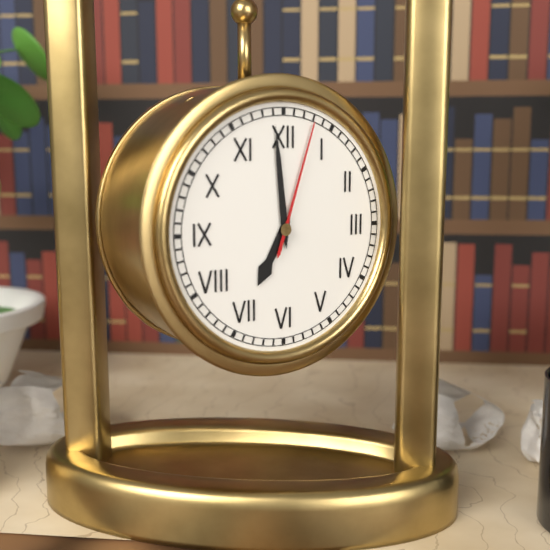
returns 6,59,03
